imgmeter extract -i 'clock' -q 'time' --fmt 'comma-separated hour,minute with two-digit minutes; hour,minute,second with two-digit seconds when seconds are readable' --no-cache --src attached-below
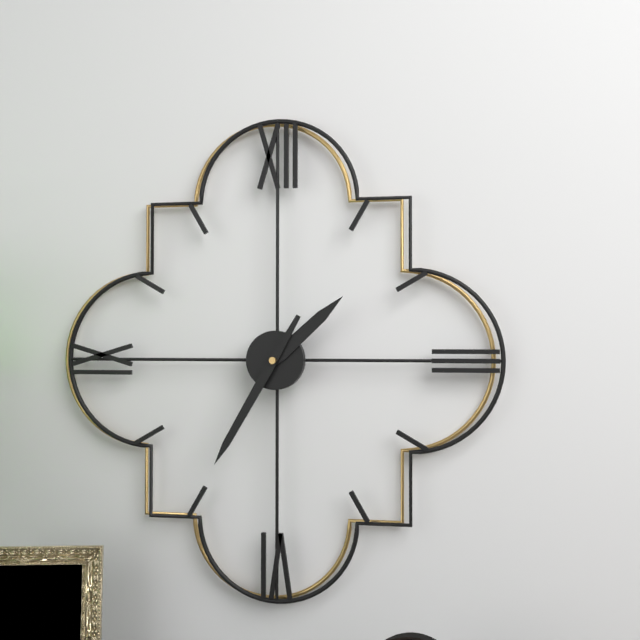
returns 1,35
